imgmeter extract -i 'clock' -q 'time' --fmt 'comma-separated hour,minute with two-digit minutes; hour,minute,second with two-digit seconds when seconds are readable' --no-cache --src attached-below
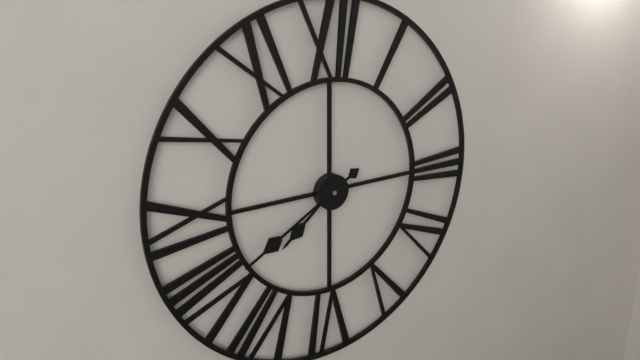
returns 7,40
